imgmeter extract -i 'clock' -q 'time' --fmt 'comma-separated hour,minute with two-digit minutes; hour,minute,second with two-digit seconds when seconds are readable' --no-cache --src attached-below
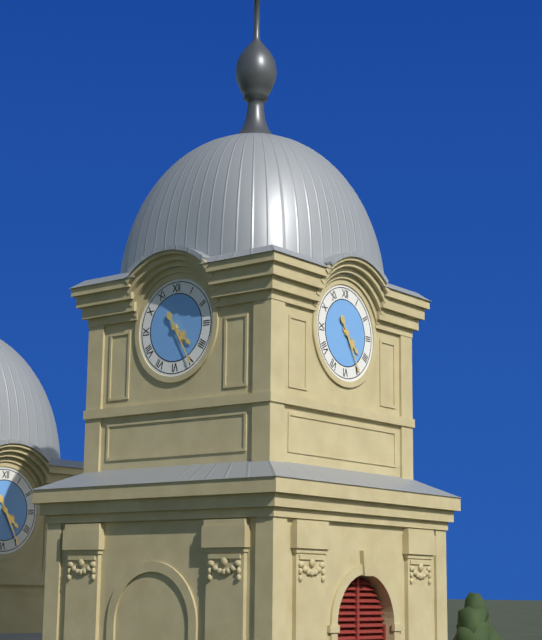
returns 4,25
